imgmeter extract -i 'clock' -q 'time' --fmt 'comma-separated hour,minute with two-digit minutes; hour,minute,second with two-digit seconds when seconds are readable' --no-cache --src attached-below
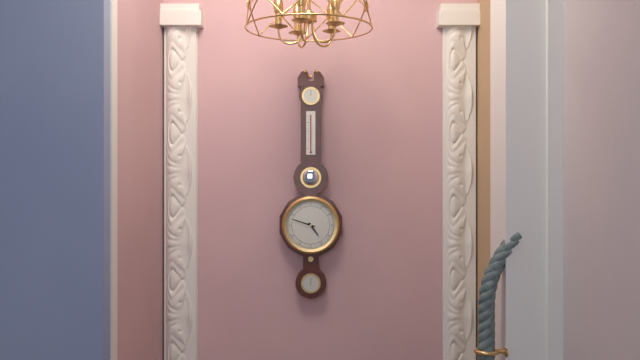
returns 4,48
